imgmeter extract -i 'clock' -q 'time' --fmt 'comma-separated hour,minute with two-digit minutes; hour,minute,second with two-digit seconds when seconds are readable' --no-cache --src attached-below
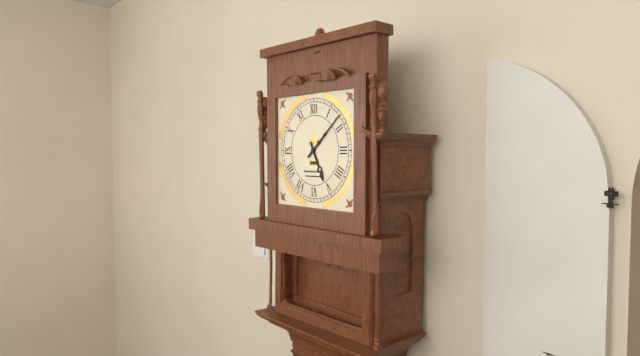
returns 5,08
